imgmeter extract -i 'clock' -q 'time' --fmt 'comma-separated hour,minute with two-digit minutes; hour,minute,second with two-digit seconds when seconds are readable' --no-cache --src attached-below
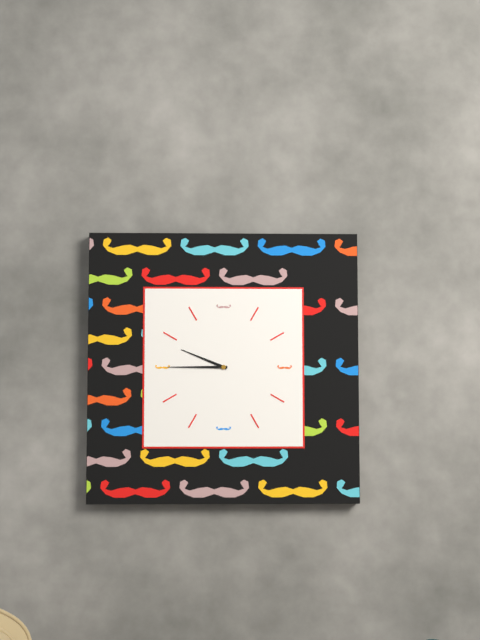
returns 9,45
